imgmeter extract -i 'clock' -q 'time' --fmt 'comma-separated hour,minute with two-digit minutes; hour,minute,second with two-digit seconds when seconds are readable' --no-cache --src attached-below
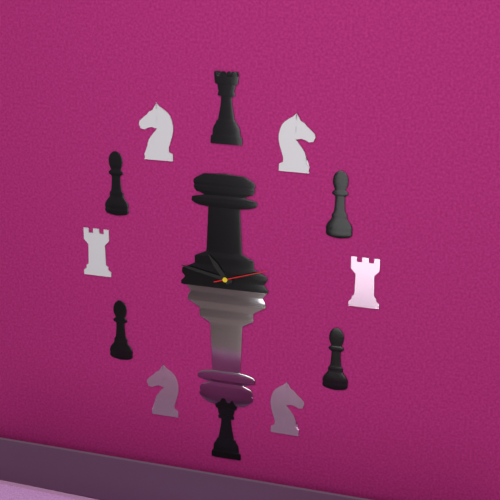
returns 10,47,12
